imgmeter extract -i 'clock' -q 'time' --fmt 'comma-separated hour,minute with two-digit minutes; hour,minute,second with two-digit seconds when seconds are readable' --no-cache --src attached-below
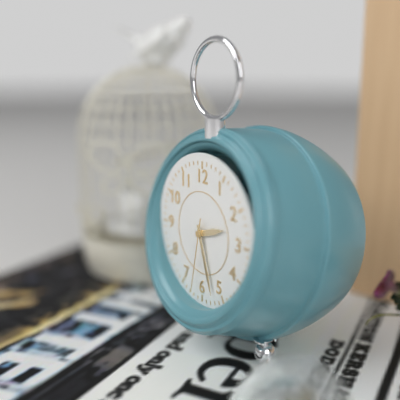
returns 2,27,32
